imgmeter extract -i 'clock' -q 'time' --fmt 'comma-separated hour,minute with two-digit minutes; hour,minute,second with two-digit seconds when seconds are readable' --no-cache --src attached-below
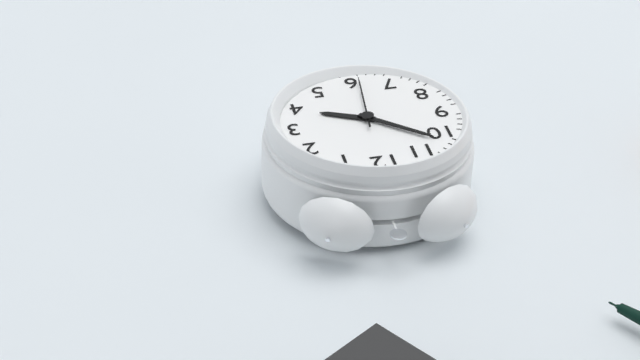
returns 3,52,31
